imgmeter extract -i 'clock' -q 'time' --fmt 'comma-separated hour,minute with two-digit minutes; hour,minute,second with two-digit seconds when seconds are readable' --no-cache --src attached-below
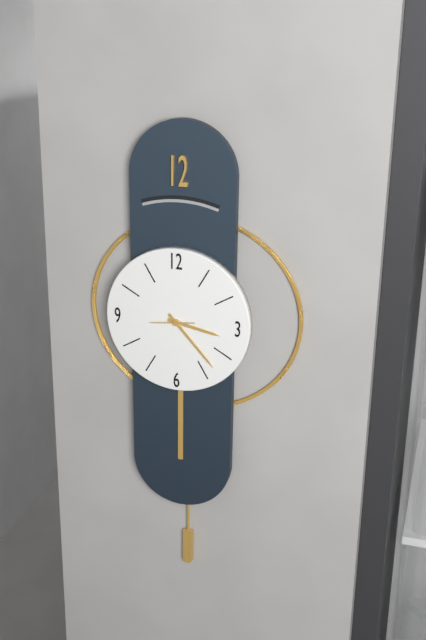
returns 3,23
